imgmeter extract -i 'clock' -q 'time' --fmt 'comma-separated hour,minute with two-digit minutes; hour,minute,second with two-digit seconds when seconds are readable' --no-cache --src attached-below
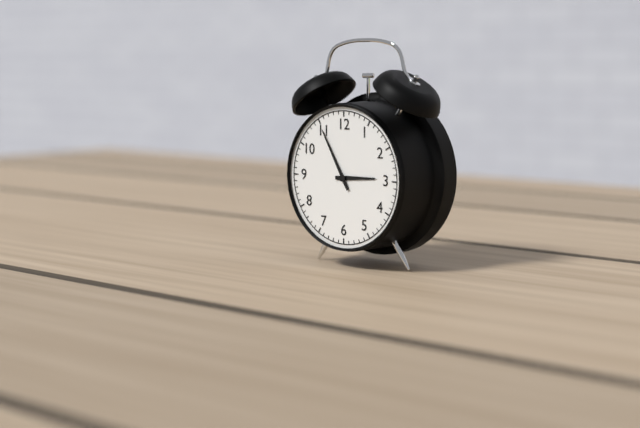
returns 2,55
